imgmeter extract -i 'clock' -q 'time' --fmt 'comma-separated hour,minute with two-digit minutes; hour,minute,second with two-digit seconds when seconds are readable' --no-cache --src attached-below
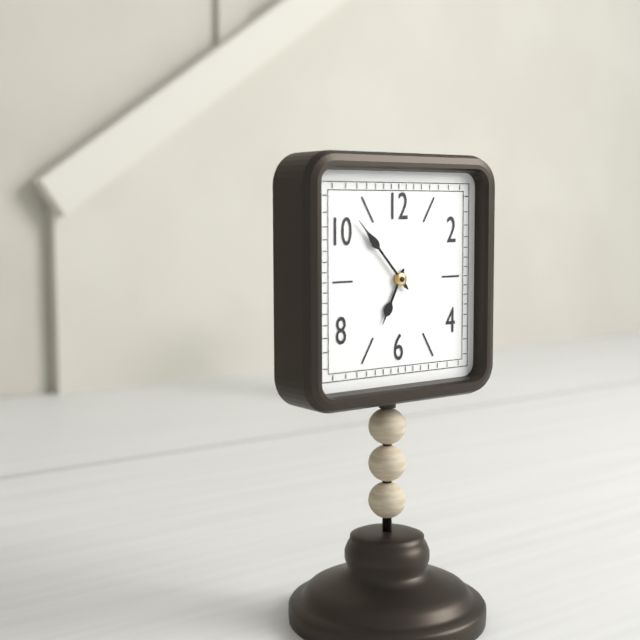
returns 6,53
